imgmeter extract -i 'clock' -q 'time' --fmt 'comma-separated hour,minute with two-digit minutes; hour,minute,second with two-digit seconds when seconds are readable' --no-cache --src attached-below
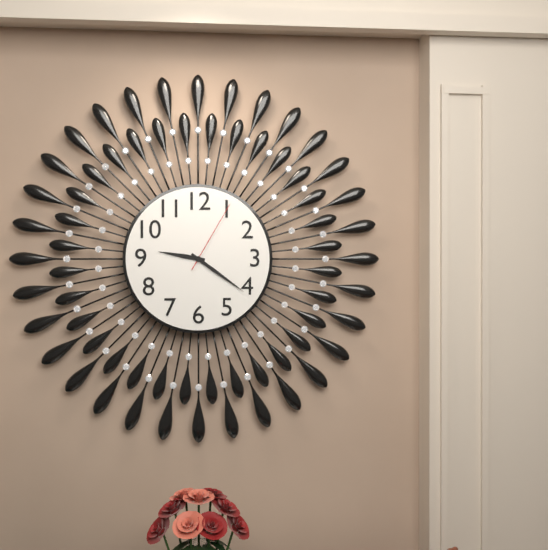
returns 9,21,05
